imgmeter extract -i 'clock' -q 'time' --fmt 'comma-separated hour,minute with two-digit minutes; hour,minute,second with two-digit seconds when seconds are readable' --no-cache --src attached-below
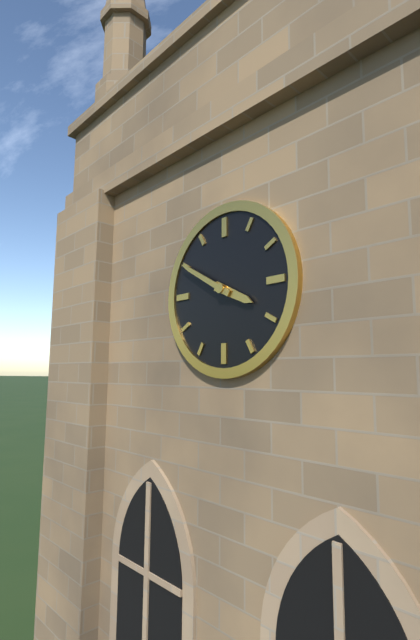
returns 3,50
